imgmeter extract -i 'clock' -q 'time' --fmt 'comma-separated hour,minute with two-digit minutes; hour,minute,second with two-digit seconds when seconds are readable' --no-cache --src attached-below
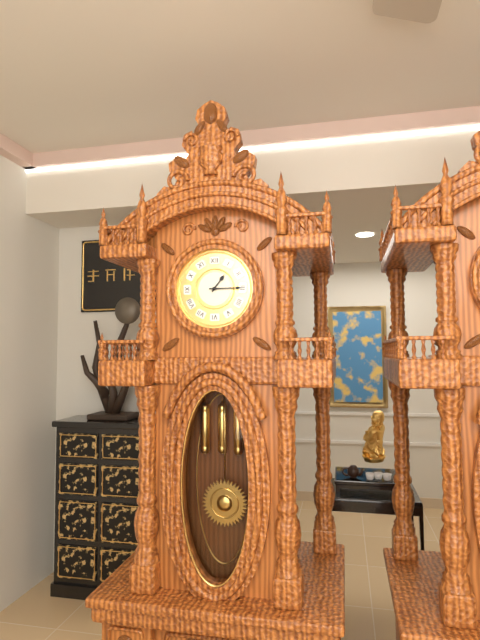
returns 1,15
